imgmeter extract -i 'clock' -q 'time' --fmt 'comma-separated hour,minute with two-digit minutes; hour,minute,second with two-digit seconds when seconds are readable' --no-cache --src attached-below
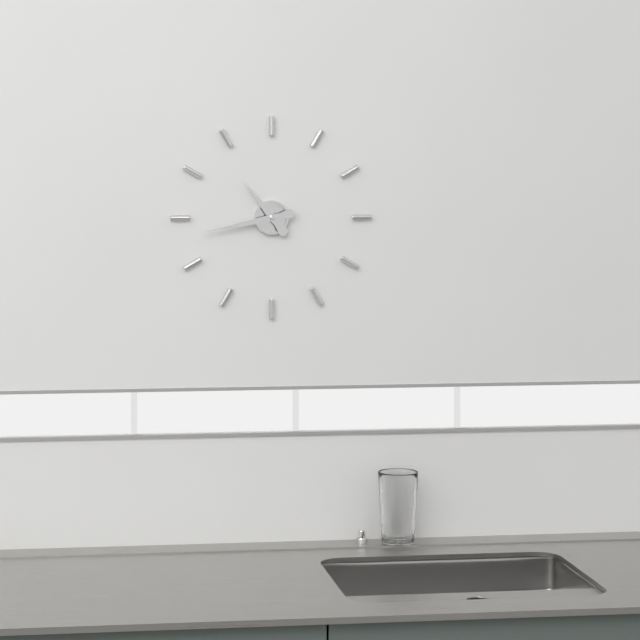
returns 10,43
